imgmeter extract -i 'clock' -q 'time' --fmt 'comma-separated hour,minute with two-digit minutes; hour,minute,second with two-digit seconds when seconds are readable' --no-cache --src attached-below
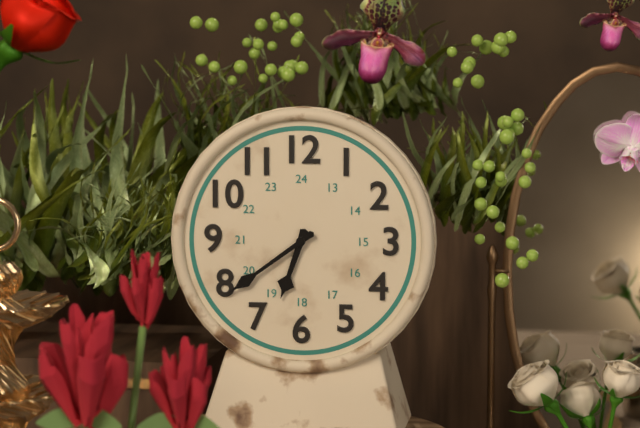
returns 6,39
